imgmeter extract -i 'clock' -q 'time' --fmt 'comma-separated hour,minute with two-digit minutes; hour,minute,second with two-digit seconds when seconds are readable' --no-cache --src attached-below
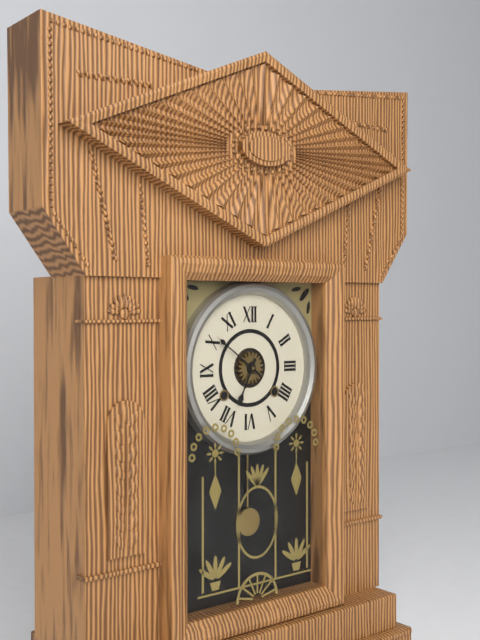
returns 6,51
